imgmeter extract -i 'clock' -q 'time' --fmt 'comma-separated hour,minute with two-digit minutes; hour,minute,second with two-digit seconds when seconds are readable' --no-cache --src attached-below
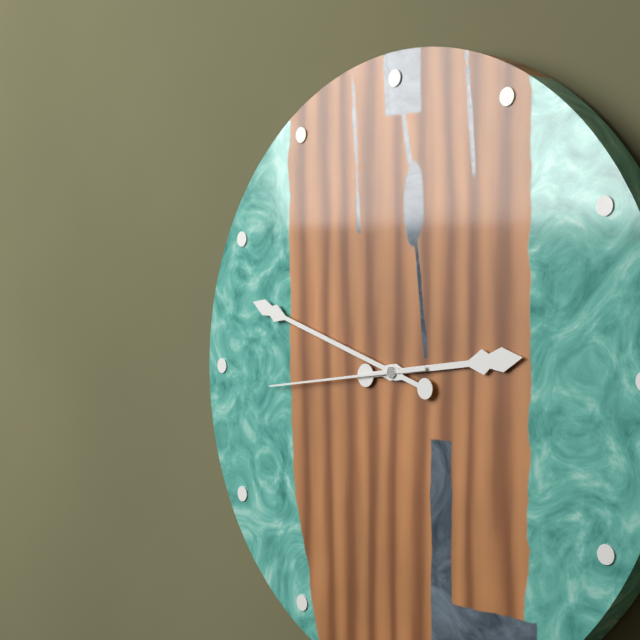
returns 2,48,44
